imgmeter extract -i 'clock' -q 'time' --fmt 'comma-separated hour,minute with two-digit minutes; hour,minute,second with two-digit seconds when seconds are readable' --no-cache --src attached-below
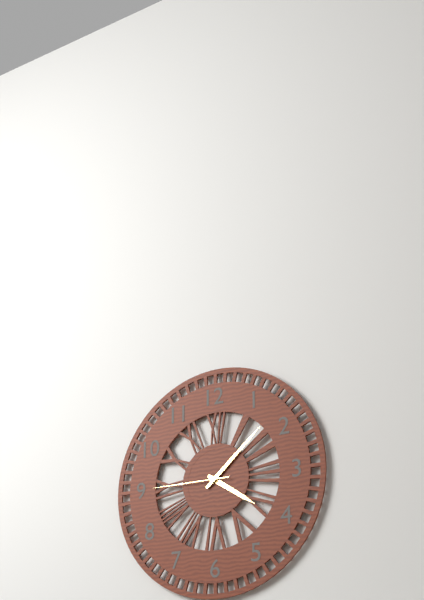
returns 4,08,45
